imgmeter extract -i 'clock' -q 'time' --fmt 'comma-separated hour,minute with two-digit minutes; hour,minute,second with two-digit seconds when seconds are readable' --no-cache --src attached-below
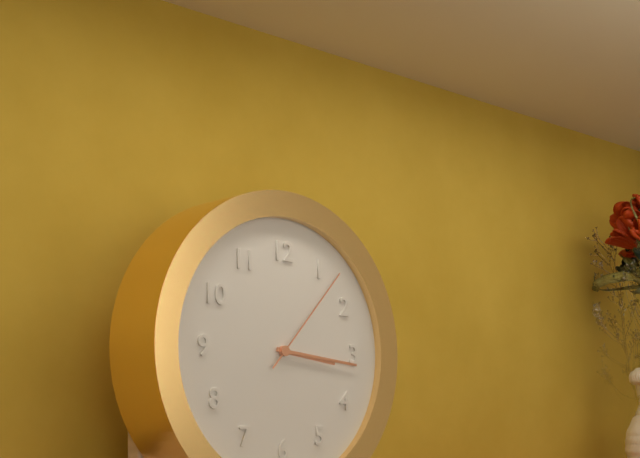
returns 3,16,07
